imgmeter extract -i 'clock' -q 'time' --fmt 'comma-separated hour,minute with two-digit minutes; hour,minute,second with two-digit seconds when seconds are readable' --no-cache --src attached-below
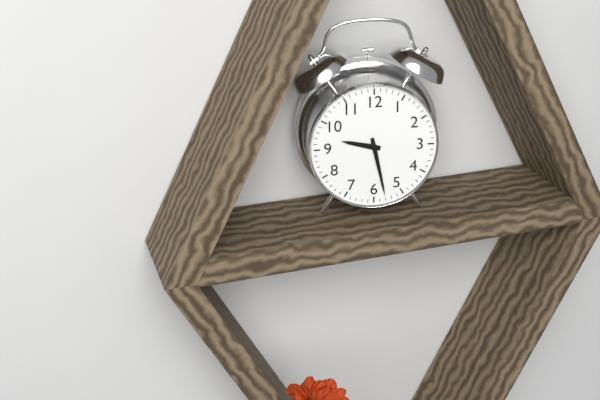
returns 9,28
